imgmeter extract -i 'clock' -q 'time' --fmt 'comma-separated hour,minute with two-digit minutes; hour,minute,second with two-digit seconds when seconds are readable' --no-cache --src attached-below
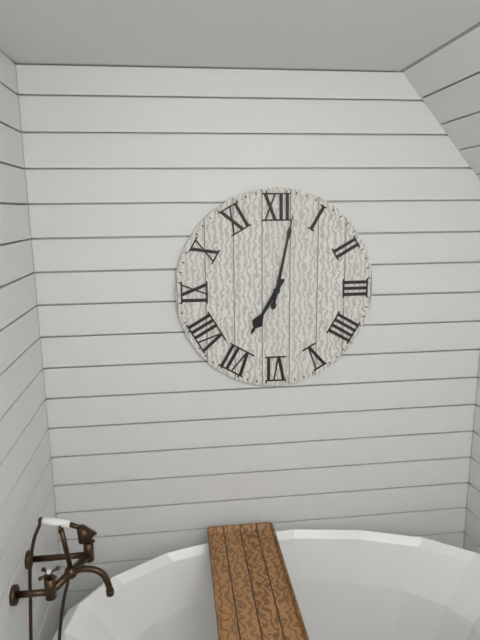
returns 7,02
